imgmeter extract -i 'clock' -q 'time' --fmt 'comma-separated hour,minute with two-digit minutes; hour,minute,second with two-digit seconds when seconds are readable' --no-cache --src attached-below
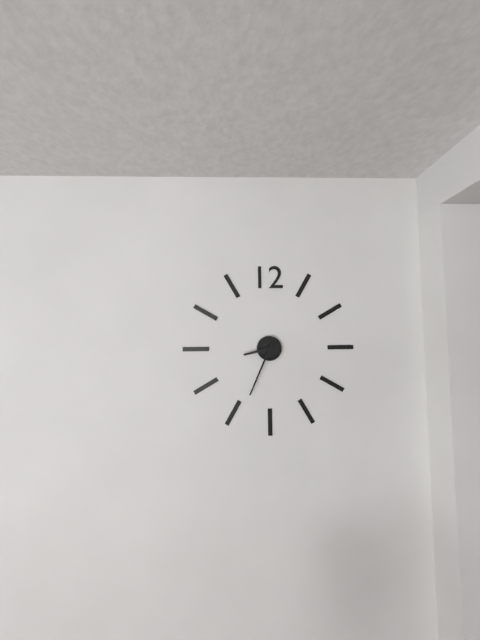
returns 8,34
